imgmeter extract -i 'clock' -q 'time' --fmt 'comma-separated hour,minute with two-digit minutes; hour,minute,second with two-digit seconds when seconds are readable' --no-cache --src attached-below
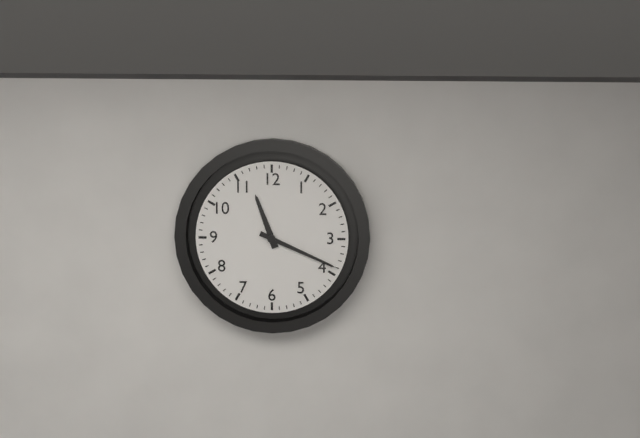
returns 11,19
